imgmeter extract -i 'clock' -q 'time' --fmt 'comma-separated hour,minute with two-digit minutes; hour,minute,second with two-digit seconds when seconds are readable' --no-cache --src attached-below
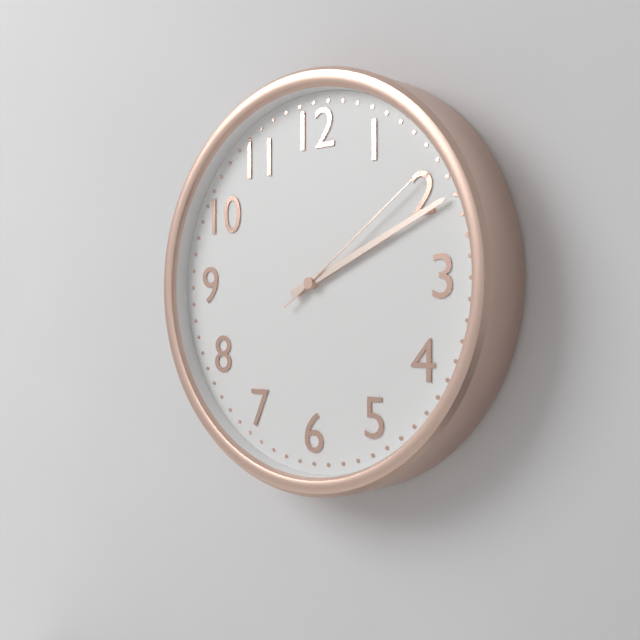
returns 2,11,09
